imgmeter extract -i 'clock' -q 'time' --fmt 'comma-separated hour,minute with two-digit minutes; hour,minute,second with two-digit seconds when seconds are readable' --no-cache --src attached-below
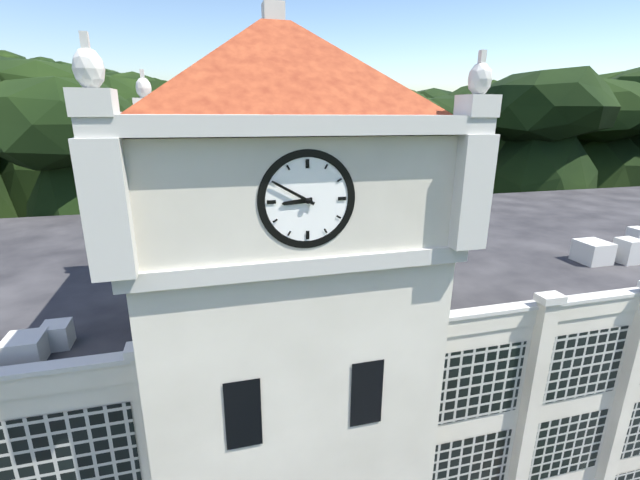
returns 8,50
